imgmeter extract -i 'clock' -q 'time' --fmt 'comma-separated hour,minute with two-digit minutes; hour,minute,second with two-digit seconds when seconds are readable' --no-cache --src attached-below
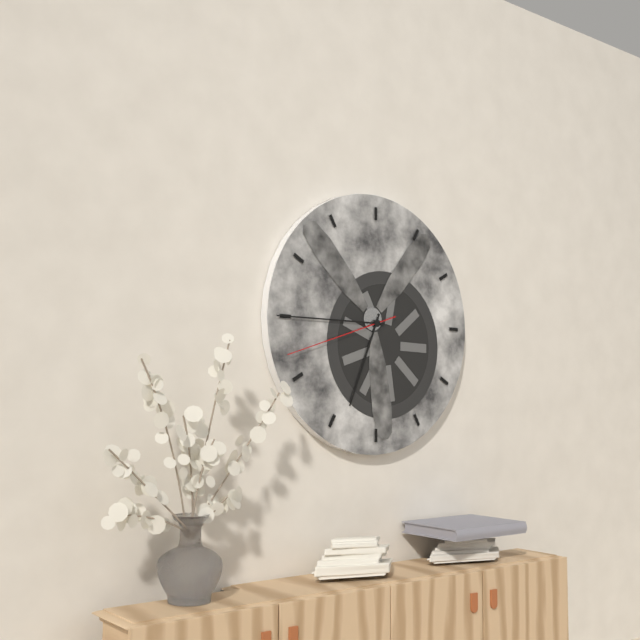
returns 6,45,42
